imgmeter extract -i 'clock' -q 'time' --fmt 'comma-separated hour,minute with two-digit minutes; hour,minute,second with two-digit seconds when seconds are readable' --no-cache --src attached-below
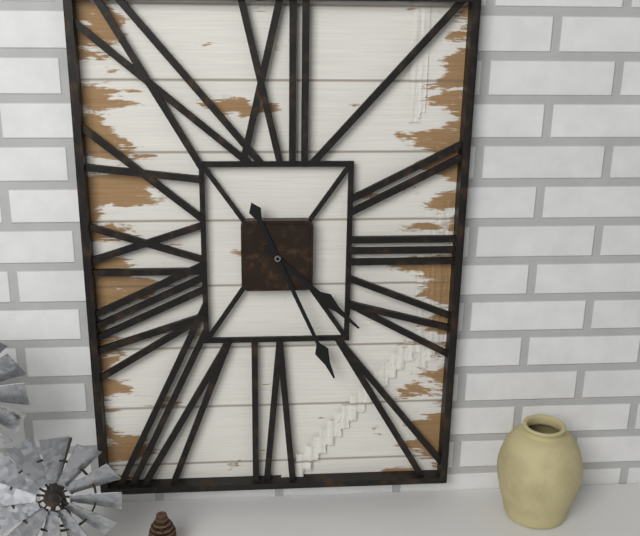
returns 4,26
